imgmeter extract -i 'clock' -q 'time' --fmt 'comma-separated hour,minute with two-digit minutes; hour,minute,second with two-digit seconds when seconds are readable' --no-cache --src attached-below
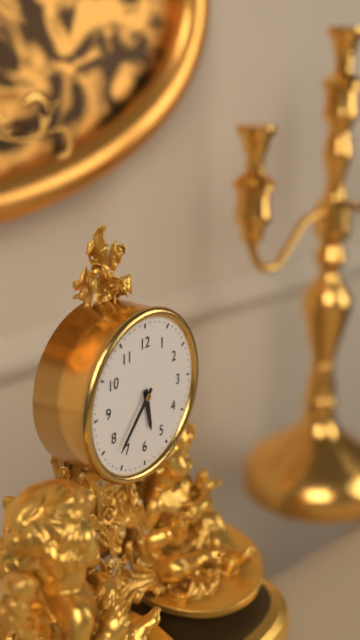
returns 5,37
